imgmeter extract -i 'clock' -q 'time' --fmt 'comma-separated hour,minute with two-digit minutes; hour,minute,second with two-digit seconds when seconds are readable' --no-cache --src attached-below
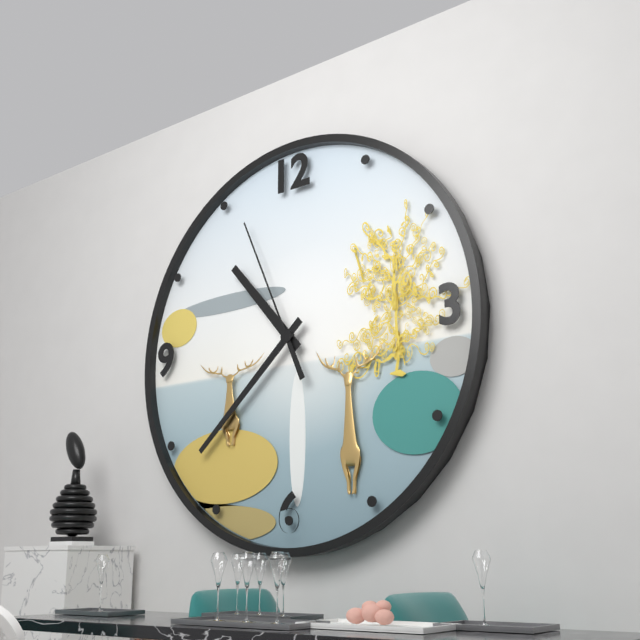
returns 10,38,56
